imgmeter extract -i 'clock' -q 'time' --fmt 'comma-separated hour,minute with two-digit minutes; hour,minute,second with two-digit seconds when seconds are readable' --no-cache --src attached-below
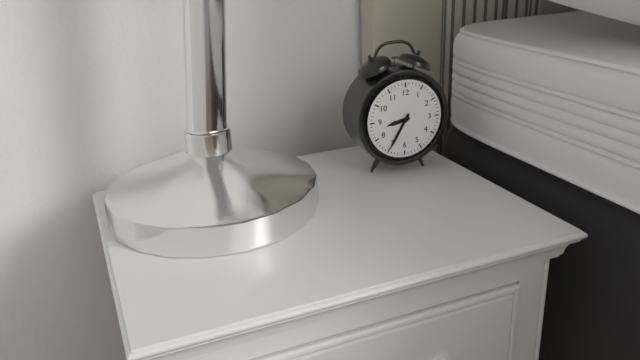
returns 8,35
